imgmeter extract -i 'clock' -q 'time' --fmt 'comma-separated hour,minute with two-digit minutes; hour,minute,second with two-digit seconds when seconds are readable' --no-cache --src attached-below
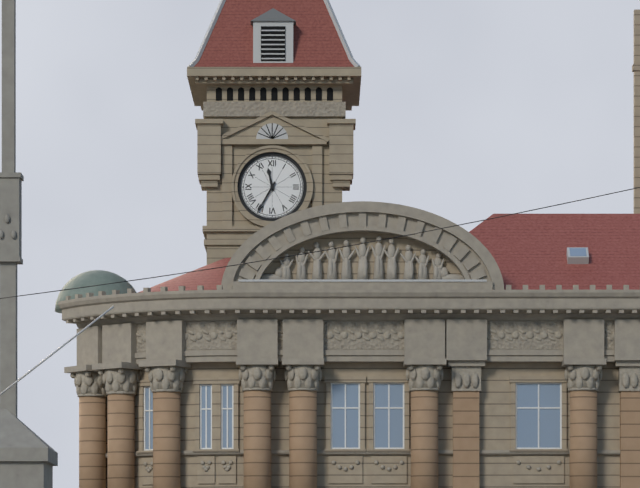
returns 11,35
